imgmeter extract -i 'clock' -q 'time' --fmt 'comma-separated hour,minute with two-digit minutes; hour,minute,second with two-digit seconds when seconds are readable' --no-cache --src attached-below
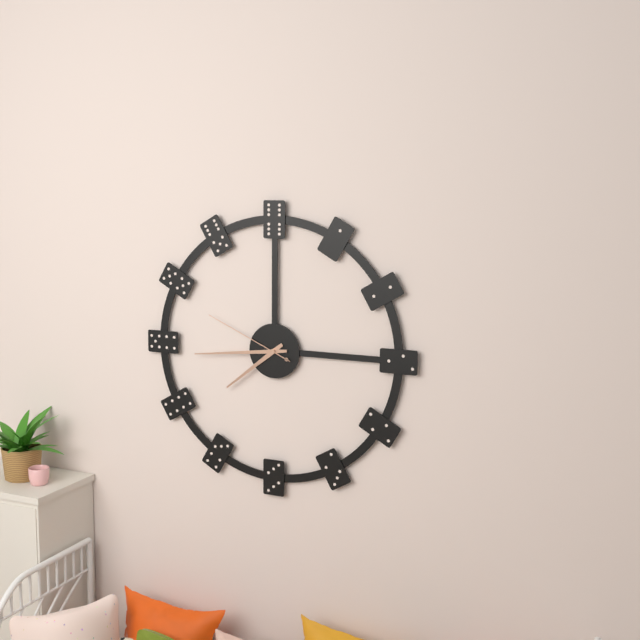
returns 7,44,49
